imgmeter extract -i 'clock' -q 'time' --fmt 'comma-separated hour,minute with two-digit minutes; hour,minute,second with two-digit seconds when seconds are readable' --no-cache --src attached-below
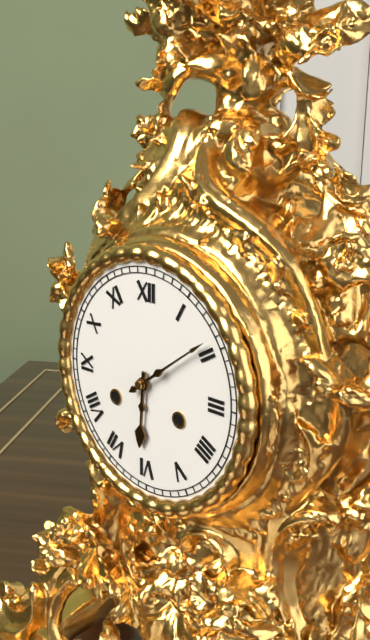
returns 6,09
